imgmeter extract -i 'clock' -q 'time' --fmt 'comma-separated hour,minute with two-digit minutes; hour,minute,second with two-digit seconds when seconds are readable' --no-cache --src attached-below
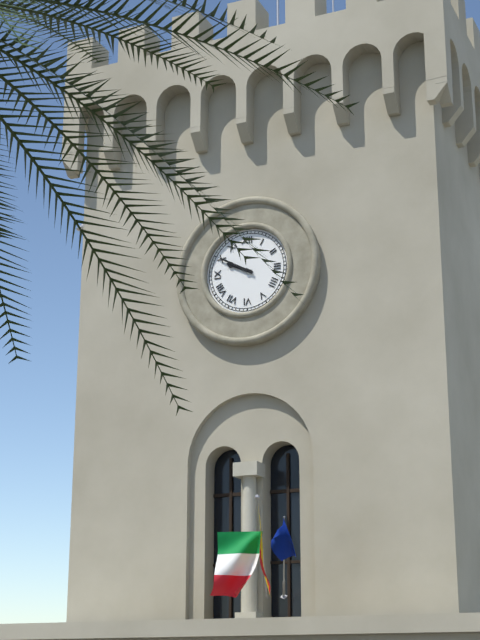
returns 9,50
